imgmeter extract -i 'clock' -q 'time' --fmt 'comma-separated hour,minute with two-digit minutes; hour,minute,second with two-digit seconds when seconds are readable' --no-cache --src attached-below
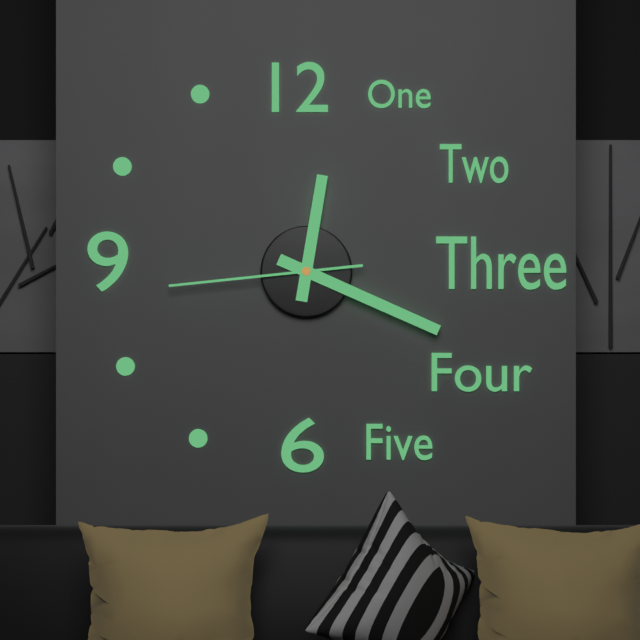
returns 12,19,44
